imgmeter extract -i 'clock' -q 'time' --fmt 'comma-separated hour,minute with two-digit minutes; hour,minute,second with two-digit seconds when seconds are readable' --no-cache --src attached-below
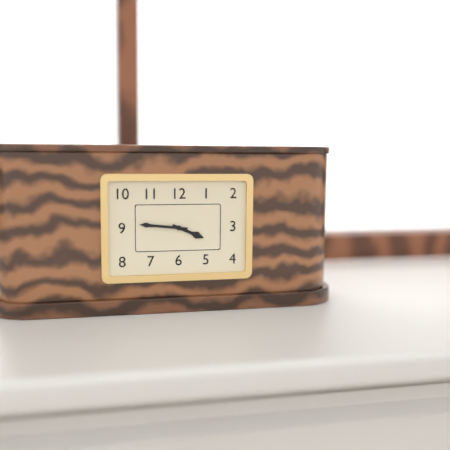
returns 3,46
